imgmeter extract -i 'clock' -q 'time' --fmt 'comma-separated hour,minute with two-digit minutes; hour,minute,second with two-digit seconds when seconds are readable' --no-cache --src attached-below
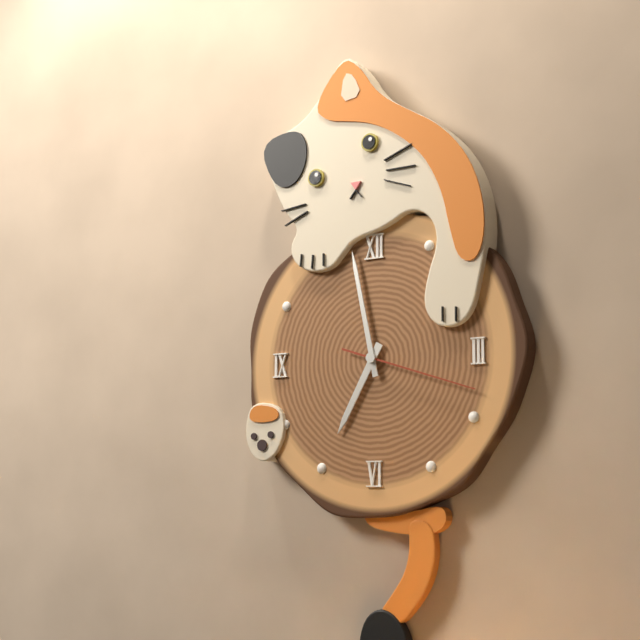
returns 6,58,18
